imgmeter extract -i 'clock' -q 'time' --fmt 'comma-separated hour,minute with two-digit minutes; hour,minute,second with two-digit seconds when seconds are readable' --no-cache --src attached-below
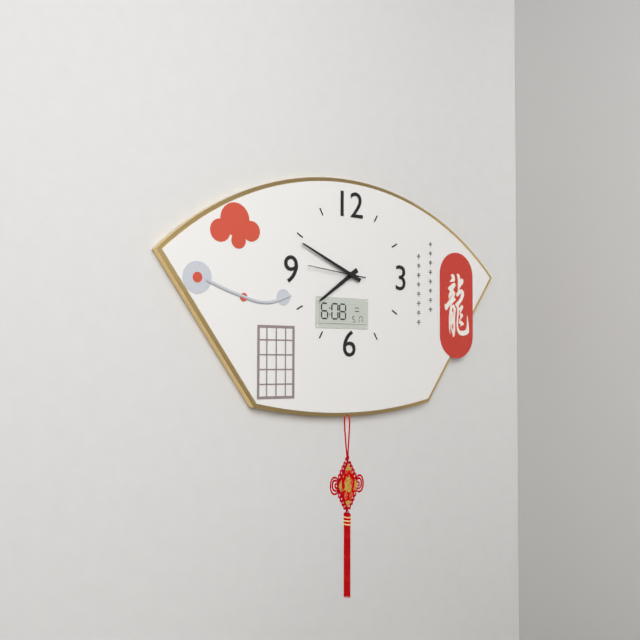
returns 7,49,46
